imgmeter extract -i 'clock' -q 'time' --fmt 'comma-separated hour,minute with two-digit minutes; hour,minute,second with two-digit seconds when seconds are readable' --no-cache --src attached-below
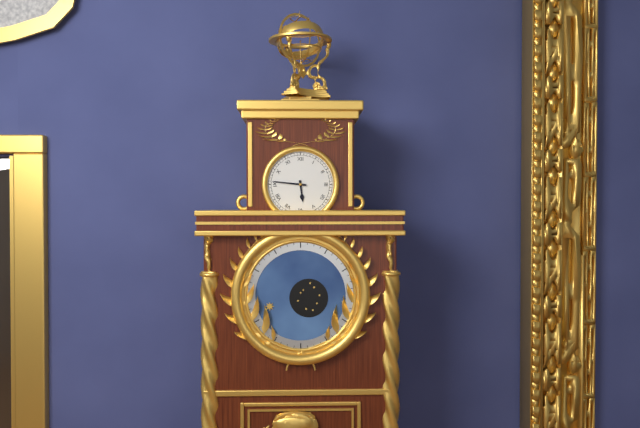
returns 5,46
